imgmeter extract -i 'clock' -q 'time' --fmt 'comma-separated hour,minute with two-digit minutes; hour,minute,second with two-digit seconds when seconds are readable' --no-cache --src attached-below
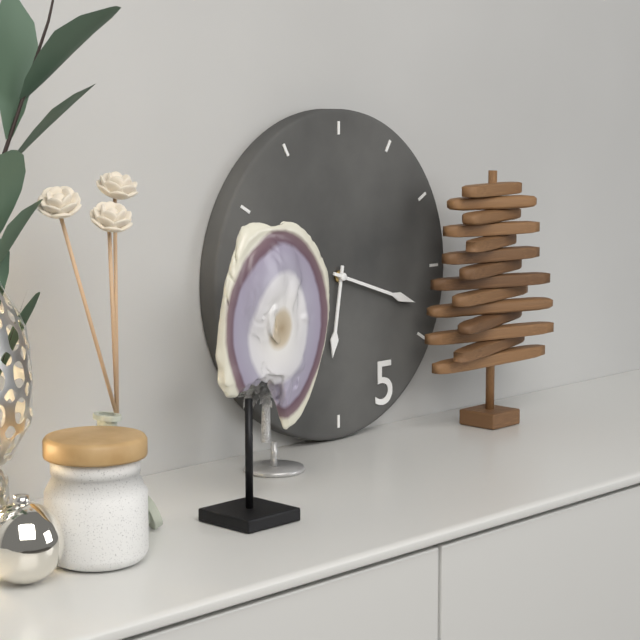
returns 6,18
